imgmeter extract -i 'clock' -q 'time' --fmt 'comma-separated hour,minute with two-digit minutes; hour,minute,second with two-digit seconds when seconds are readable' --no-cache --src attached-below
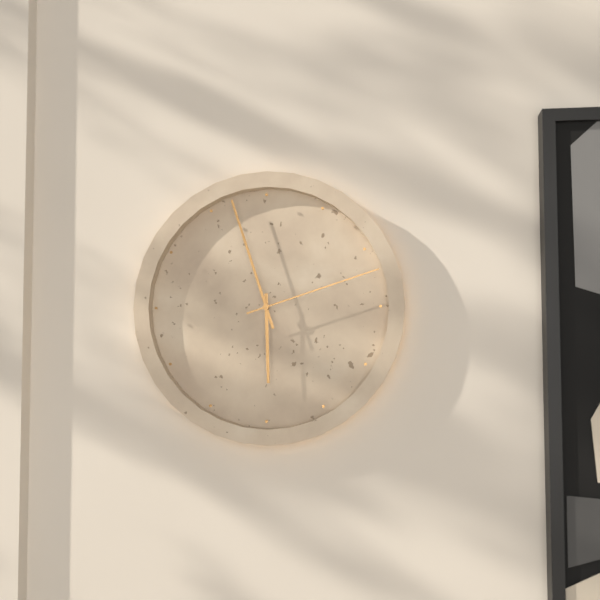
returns 5,57,12
